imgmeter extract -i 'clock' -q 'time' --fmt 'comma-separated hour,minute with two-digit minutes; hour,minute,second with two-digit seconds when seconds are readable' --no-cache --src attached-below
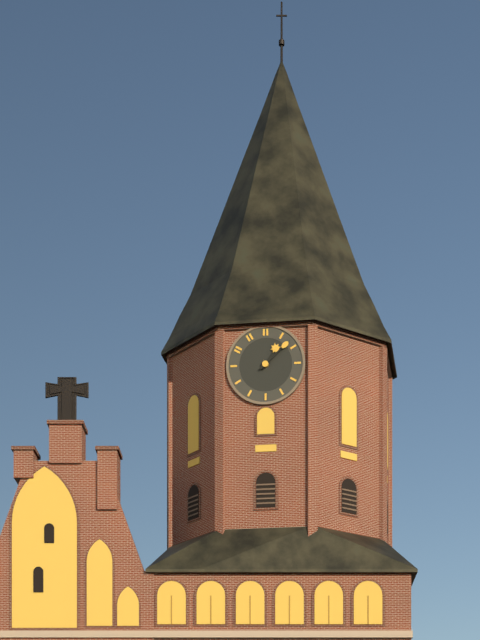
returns 1,08
